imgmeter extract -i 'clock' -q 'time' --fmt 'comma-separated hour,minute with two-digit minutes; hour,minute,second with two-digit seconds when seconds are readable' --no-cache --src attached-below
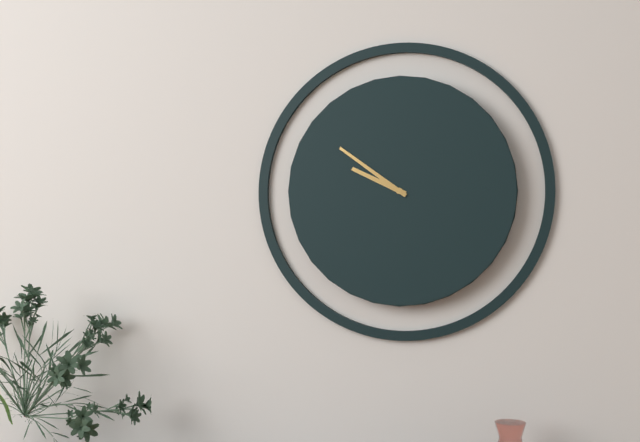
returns 9,51
